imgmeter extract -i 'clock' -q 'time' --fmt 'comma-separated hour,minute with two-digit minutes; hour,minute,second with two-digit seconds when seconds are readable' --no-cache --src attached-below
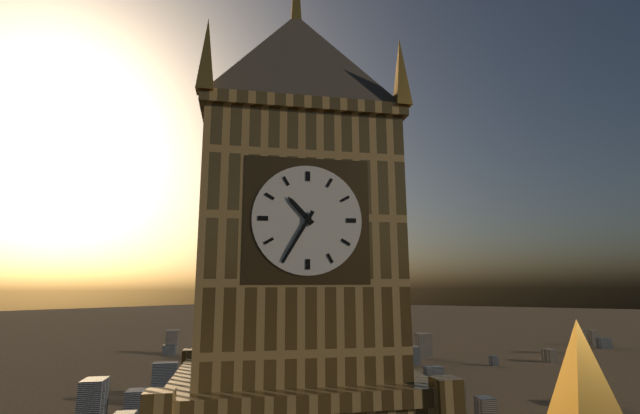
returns 10,35
